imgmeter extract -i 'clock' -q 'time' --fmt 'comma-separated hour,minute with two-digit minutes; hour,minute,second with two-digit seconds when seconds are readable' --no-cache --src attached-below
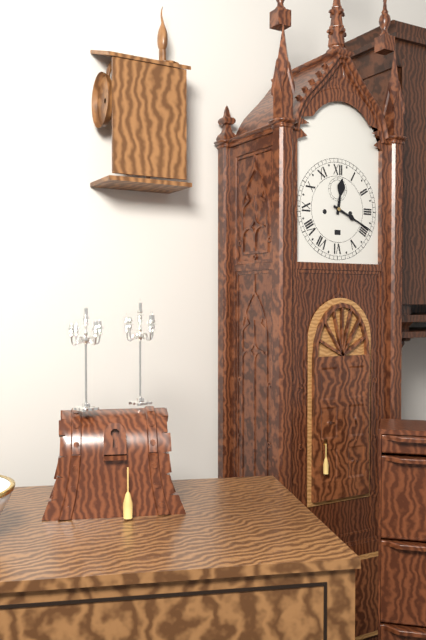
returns 12,19
